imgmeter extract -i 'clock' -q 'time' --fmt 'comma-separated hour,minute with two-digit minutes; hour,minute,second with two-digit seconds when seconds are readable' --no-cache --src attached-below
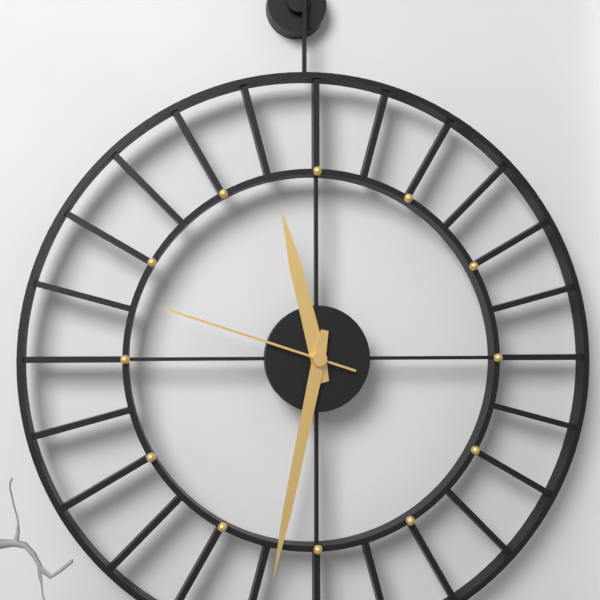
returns 11,32,48
